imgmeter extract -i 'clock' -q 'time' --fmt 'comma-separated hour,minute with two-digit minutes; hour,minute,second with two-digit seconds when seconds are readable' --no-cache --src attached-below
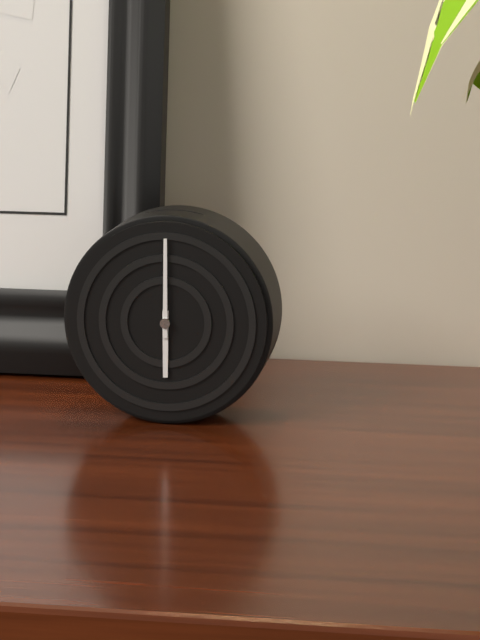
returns 6,00
